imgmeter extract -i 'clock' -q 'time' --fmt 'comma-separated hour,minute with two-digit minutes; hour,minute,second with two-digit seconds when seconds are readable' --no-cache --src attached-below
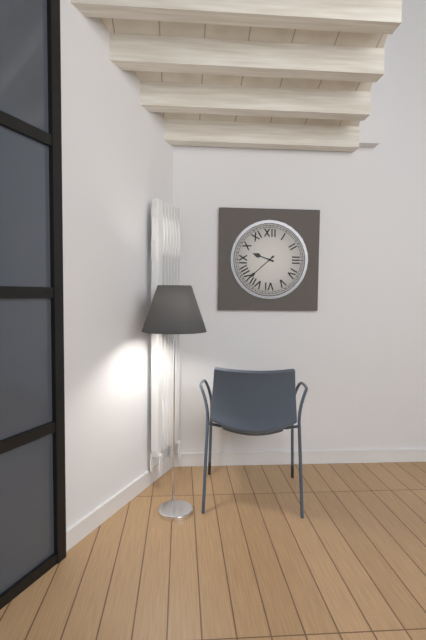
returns 9,38
